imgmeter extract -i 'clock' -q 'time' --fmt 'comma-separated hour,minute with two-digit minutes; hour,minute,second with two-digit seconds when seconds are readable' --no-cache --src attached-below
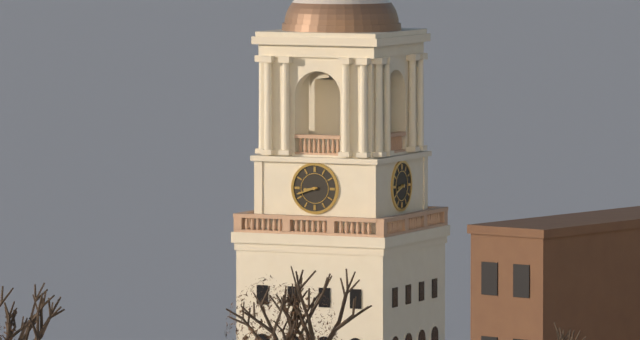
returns 8,42
